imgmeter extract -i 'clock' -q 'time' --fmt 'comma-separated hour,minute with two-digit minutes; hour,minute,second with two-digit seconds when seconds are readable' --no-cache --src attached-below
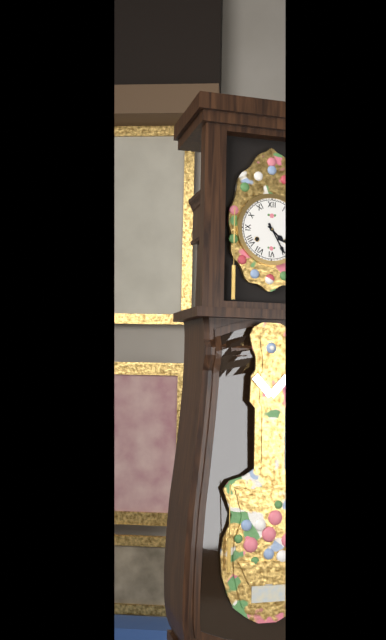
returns 4,25
